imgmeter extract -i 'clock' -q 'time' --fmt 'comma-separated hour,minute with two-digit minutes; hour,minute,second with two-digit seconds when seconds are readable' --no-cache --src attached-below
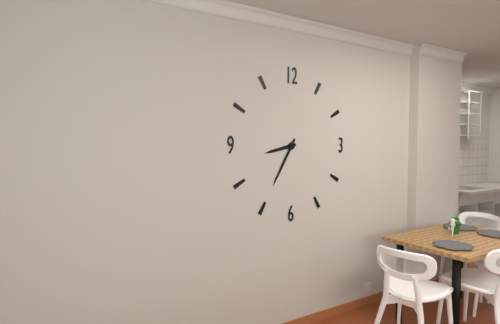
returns 8,35
